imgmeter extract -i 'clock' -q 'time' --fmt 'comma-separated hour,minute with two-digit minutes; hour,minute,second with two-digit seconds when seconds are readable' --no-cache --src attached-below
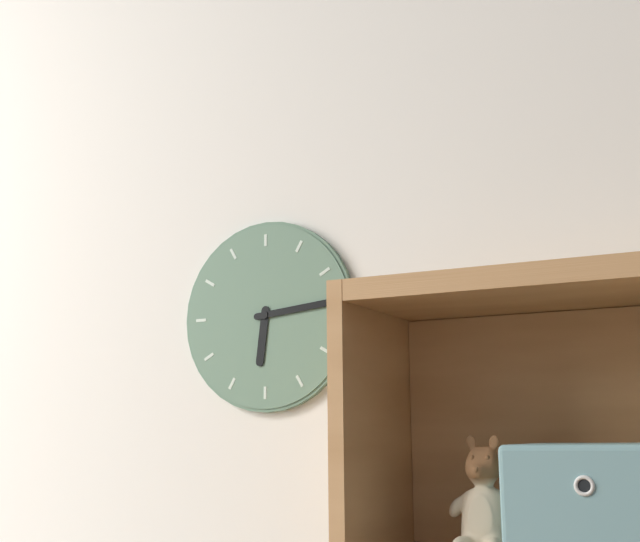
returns 6,14
